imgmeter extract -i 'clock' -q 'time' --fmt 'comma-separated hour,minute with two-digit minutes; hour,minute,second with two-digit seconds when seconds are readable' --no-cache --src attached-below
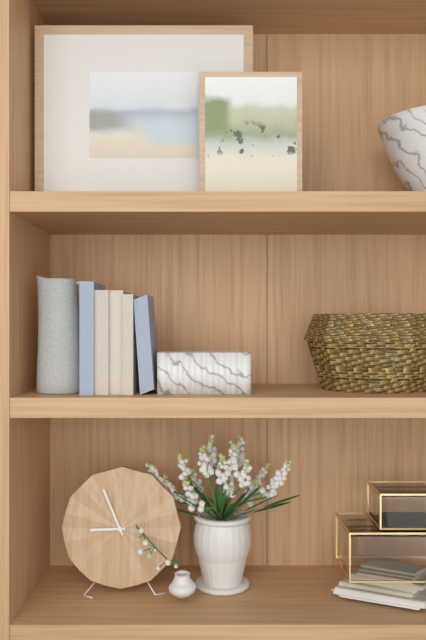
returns 8,56
